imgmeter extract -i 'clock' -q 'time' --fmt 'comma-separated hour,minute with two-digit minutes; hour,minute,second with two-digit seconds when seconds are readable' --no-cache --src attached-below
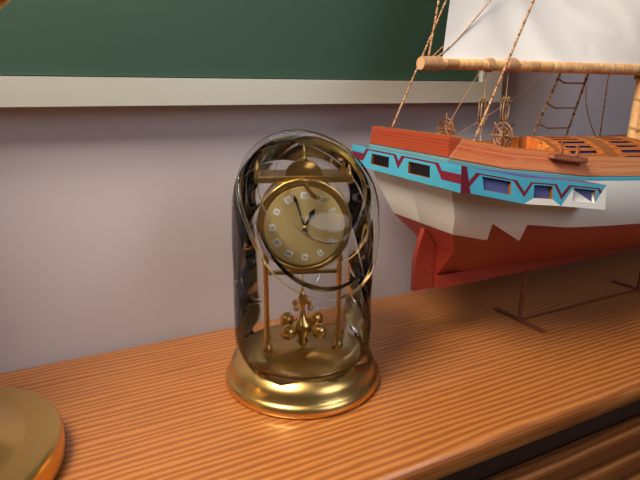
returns 12,57
